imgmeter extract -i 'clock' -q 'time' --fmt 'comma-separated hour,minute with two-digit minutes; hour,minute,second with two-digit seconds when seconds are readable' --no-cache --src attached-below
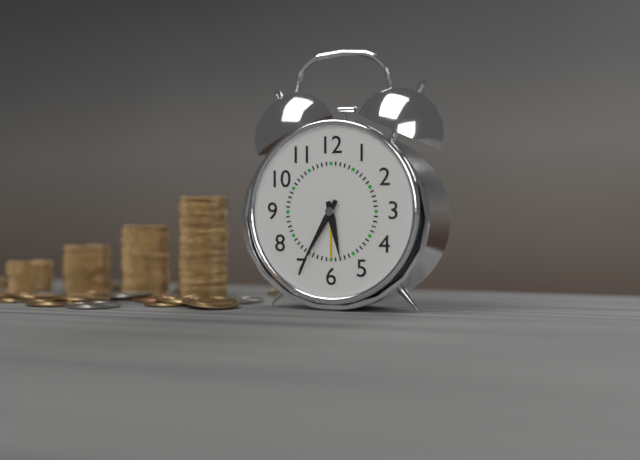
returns 5,35
